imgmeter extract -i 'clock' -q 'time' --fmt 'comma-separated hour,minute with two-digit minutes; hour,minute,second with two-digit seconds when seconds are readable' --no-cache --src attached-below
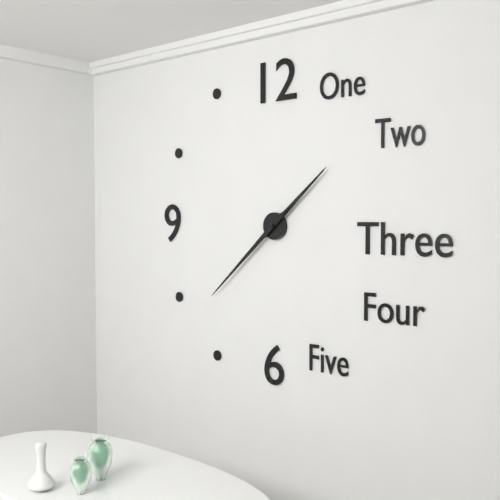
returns 1,38
